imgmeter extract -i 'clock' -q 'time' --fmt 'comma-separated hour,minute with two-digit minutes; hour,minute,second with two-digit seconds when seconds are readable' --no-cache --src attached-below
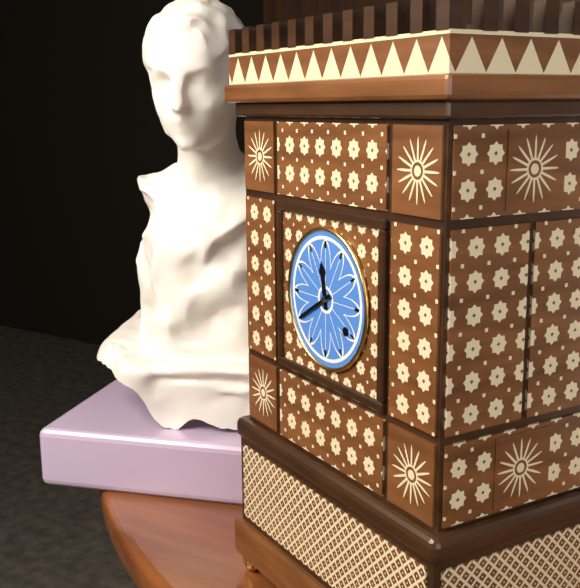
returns 11,40
